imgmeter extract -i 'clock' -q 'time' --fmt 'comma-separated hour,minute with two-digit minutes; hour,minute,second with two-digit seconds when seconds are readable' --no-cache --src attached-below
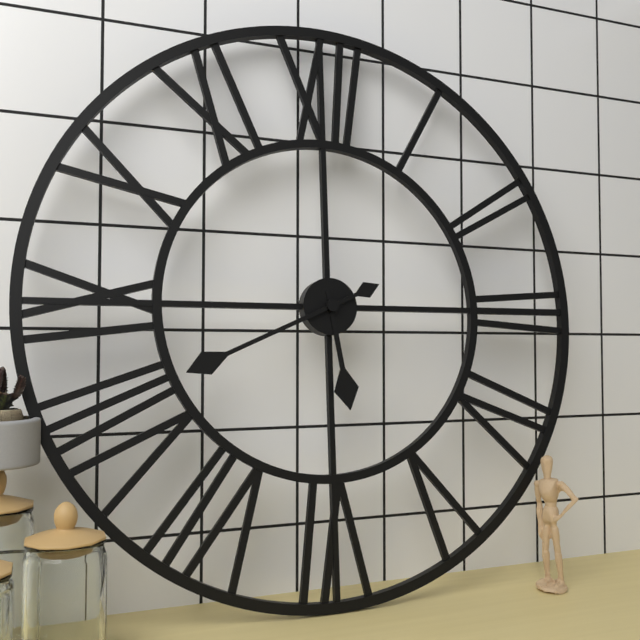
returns 5,41
